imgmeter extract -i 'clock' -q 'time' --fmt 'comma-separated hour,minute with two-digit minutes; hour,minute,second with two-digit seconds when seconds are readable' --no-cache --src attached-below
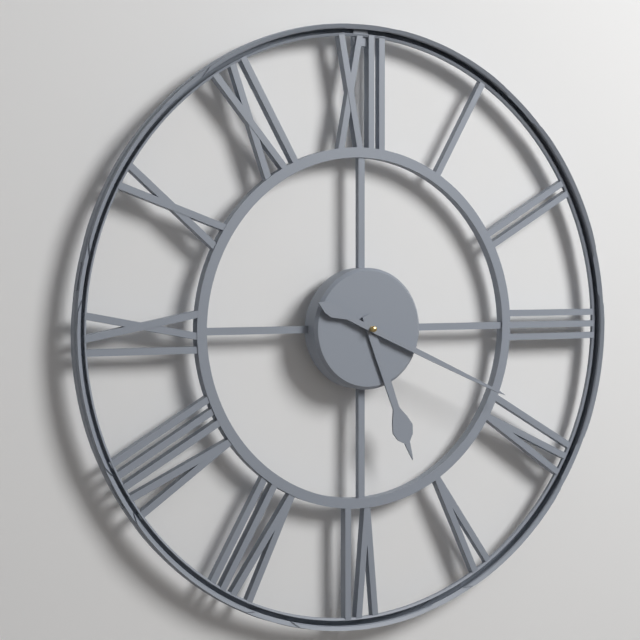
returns 5,19
